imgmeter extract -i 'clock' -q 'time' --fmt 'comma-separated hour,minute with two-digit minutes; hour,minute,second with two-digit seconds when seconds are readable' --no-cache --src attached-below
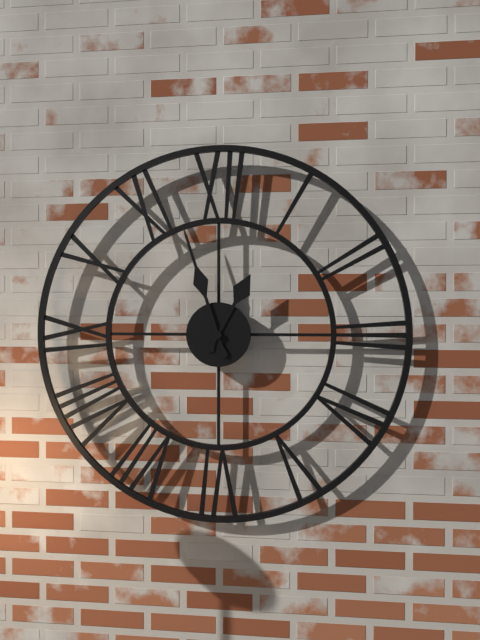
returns 12,57
